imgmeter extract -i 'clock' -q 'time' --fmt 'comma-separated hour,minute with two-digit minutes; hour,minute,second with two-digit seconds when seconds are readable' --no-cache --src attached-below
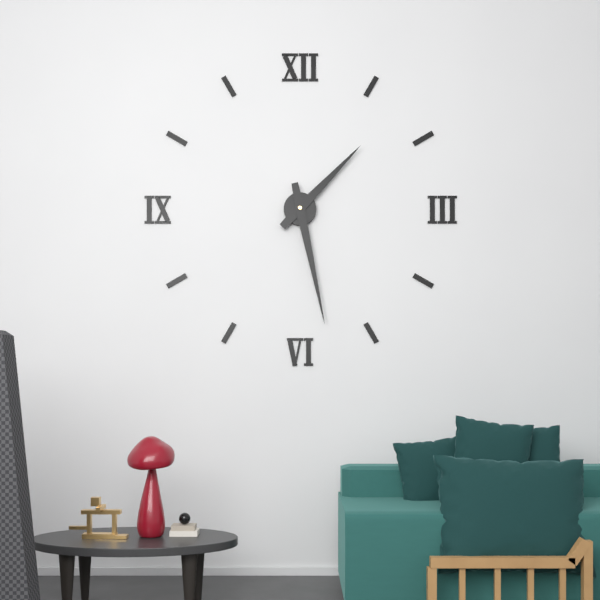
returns 1,28
